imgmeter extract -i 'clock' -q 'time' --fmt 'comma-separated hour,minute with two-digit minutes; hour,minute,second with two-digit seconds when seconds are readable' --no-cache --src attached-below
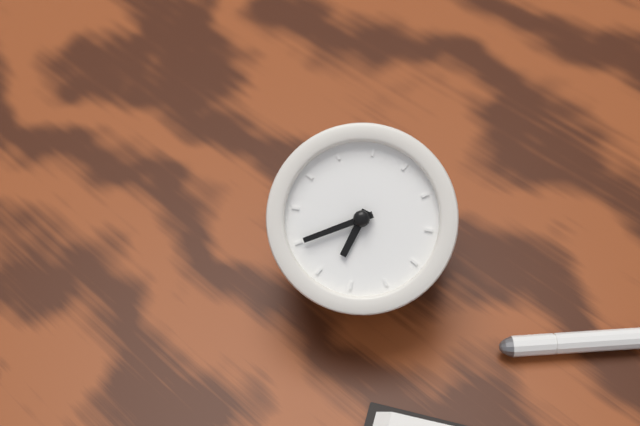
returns 5,35
